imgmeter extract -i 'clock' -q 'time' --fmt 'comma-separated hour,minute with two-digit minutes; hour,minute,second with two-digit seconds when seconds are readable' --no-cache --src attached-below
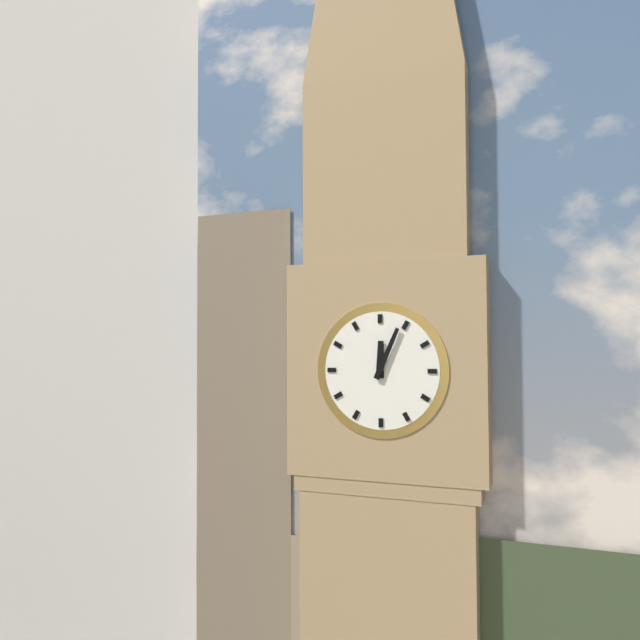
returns 12,04
